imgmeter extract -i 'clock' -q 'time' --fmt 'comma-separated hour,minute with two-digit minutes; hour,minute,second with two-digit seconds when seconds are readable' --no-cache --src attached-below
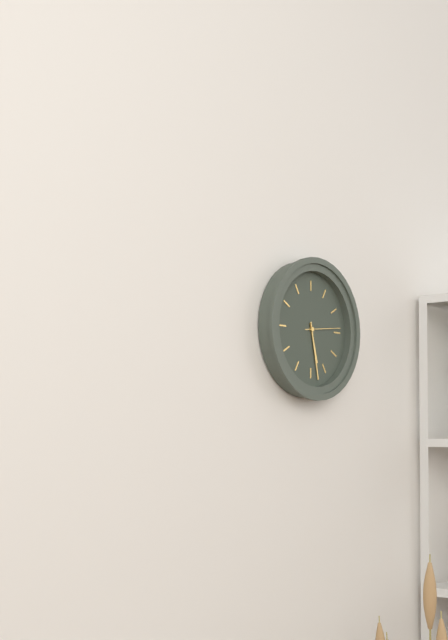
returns 5,28
